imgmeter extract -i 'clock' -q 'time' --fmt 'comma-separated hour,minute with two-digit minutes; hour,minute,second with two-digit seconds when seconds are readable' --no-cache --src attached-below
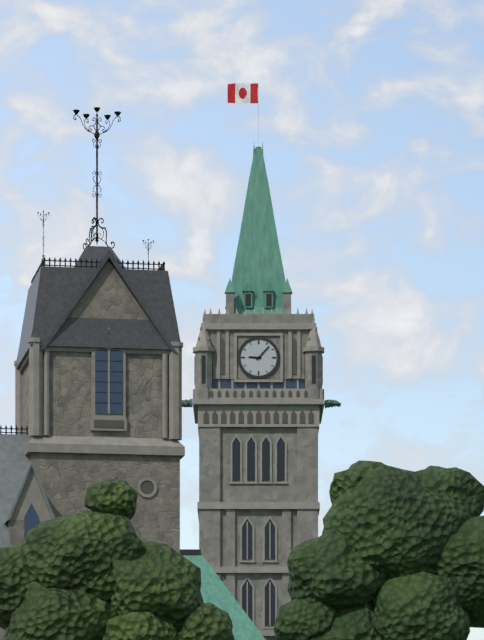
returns 9,07
